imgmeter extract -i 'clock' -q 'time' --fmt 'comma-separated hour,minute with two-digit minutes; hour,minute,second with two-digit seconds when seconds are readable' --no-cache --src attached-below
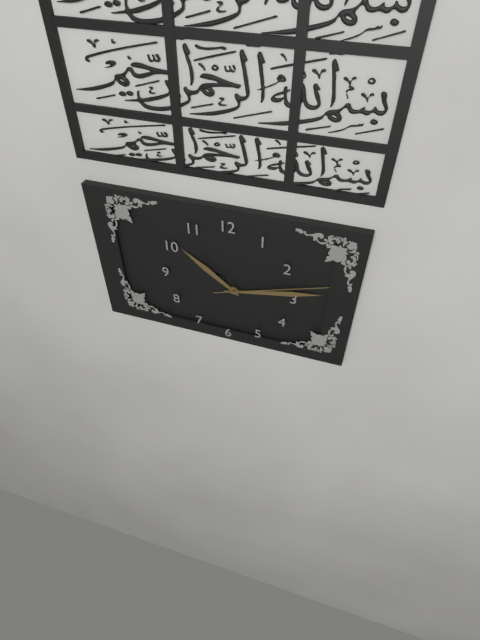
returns 10,13,12
